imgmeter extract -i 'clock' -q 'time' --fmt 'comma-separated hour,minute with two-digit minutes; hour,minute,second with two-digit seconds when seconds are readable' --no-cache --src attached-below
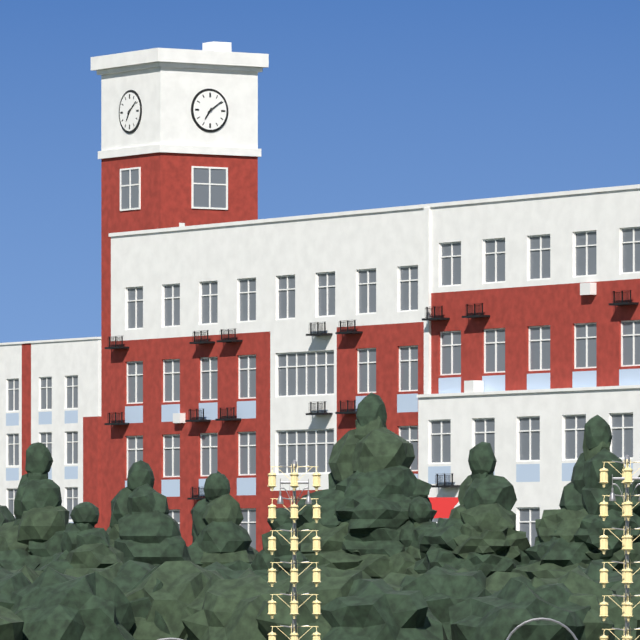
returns 7,09
